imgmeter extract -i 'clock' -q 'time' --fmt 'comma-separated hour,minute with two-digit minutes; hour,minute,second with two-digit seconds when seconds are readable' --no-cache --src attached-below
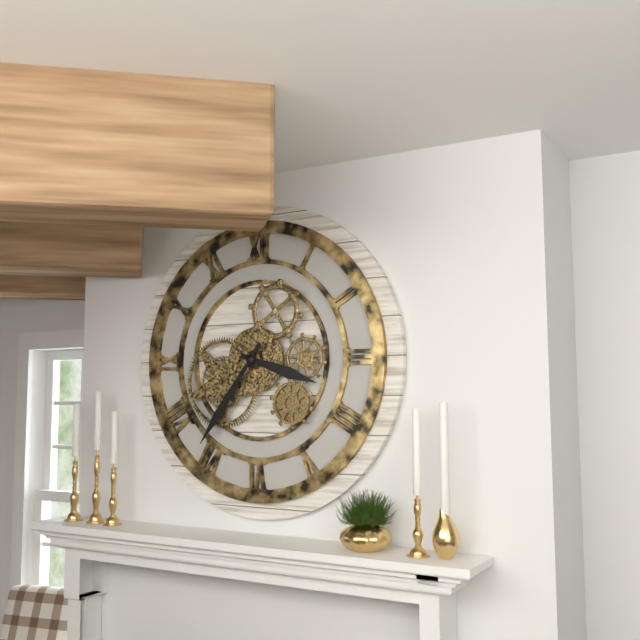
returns 3,36
